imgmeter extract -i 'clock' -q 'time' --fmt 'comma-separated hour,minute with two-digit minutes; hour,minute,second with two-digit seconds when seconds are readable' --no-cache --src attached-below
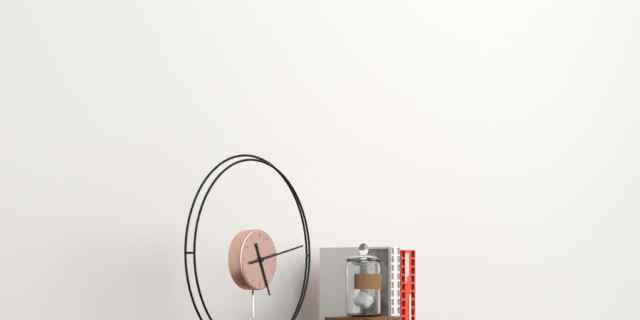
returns 5,13
